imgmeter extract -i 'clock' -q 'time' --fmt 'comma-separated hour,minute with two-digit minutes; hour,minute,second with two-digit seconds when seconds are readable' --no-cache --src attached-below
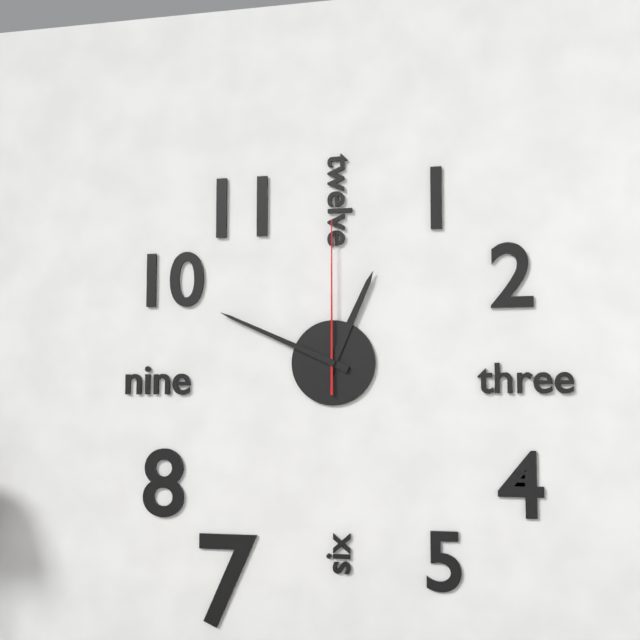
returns 12,49,00
